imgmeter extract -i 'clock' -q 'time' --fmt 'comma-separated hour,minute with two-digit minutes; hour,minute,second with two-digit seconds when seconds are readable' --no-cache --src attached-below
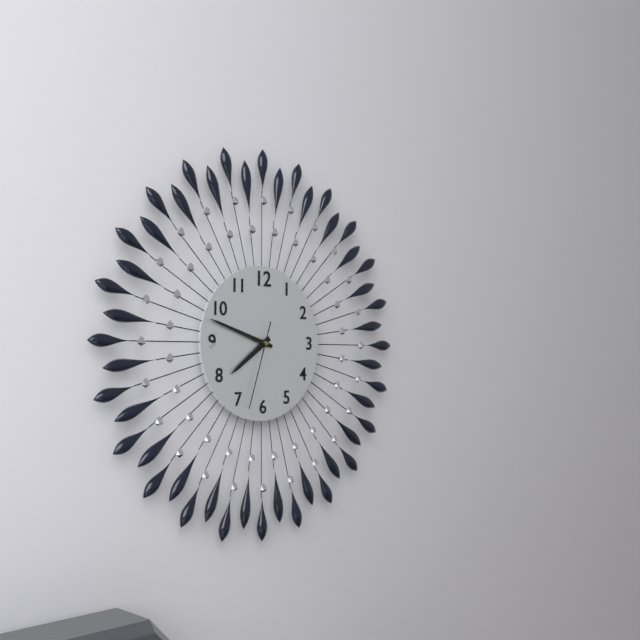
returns 7,48,33
